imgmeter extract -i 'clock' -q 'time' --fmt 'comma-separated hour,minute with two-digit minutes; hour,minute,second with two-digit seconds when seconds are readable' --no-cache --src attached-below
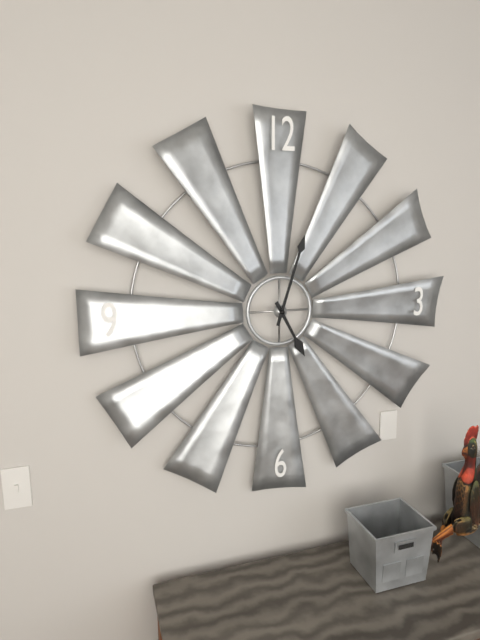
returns 5,03
